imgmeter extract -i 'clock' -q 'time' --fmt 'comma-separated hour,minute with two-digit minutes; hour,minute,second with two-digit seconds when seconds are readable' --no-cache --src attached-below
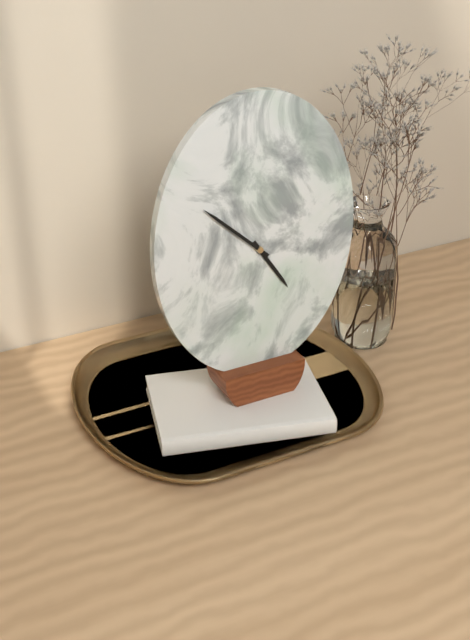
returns 4,52
